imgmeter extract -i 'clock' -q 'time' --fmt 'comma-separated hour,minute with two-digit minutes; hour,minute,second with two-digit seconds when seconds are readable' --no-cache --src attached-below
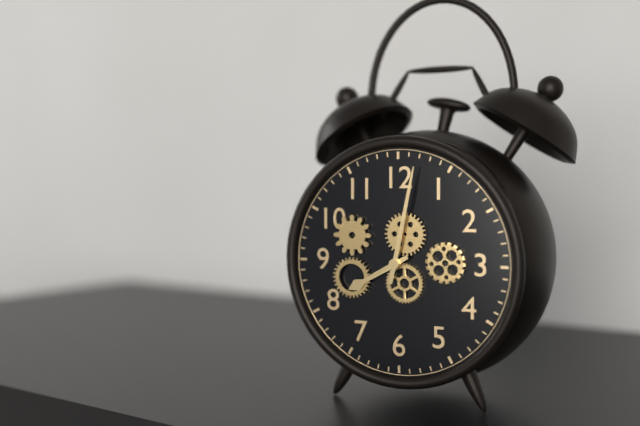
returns 8,02
